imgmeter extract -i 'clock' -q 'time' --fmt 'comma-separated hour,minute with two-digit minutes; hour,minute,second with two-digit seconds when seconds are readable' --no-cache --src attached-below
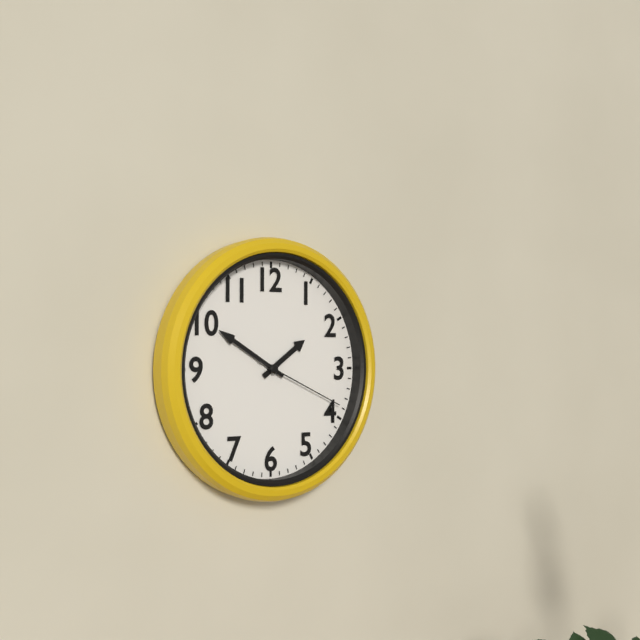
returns 1,50,19
